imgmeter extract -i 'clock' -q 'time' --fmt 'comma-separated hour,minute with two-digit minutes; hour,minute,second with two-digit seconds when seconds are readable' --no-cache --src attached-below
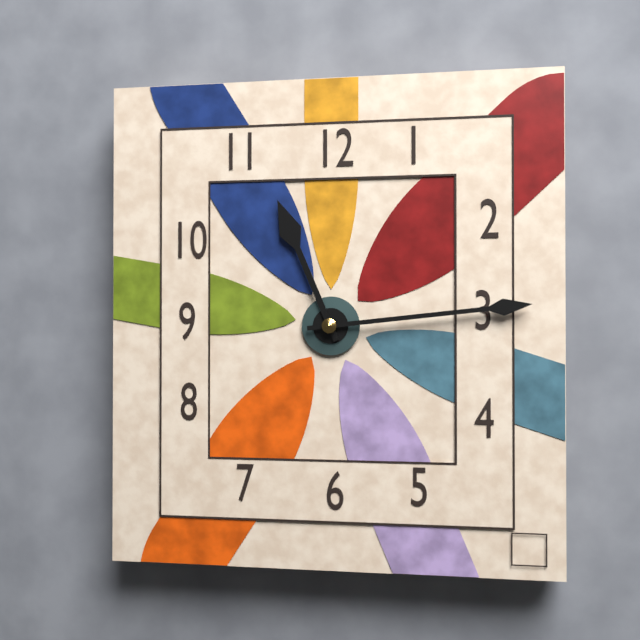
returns 11,14
